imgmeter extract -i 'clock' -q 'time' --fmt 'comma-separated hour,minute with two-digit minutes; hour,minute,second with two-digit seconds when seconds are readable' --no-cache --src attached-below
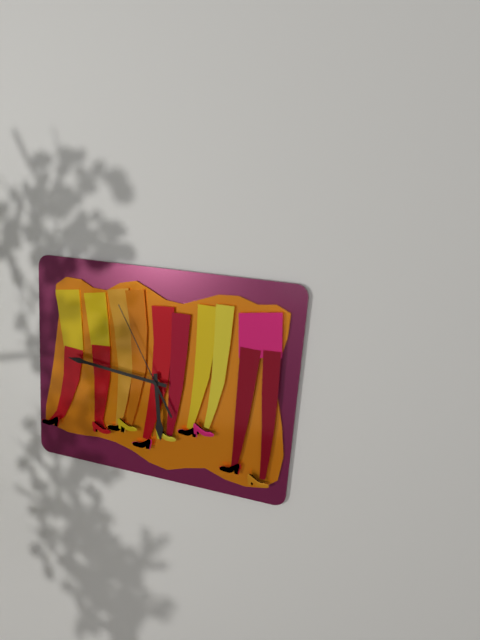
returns 5,46,55
